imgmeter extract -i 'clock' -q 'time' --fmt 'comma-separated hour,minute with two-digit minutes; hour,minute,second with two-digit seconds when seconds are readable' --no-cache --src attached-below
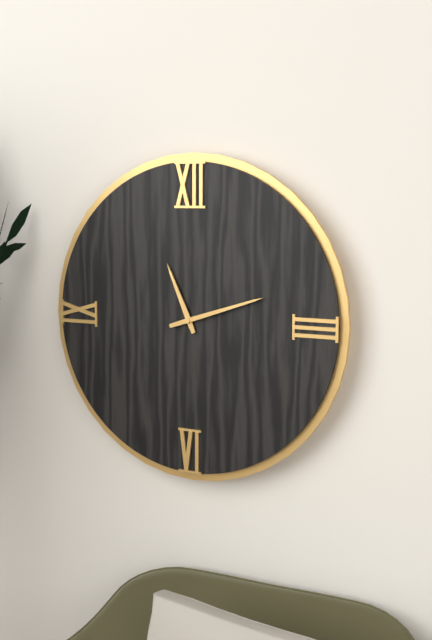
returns 11,12
